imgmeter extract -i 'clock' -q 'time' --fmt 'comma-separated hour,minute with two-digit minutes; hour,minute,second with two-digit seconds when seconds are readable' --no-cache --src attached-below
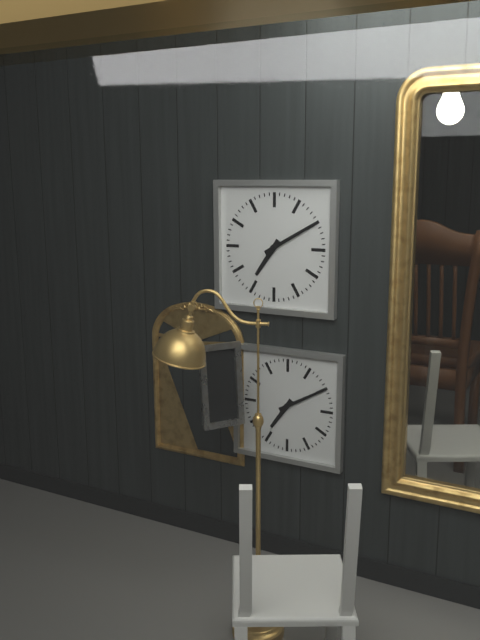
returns 7,10
